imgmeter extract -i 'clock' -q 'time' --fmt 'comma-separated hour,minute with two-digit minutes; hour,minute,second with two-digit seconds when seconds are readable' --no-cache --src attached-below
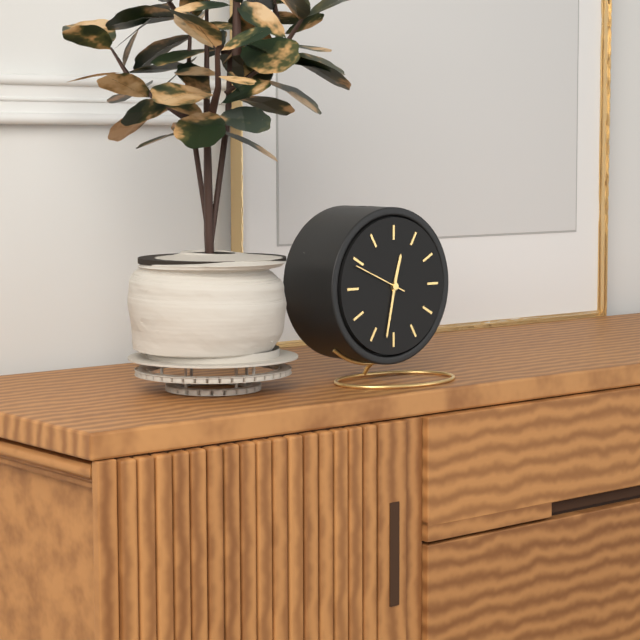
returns 12,32,49
